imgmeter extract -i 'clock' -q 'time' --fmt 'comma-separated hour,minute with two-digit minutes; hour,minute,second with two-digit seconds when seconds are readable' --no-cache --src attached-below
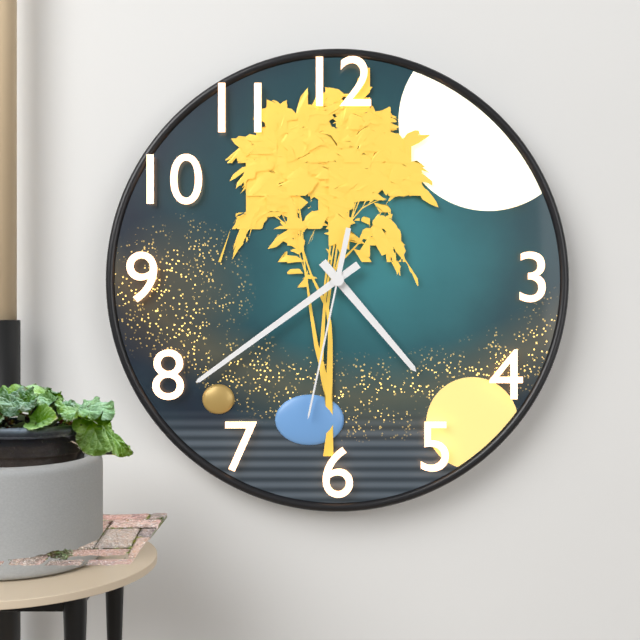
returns 4,39,32
